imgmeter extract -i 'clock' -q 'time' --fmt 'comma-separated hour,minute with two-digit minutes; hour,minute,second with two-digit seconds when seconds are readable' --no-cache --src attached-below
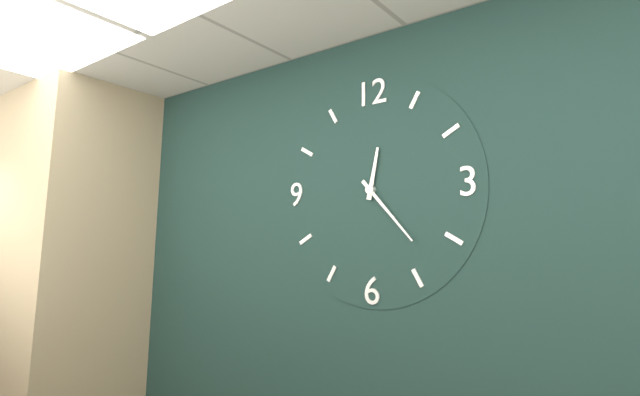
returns 12,23
